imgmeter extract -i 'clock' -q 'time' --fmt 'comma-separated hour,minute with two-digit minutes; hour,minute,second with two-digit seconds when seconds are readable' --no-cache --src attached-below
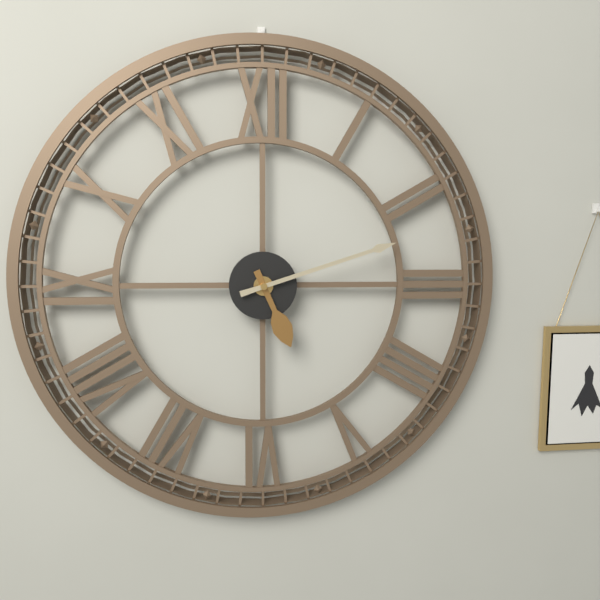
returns 5,12
